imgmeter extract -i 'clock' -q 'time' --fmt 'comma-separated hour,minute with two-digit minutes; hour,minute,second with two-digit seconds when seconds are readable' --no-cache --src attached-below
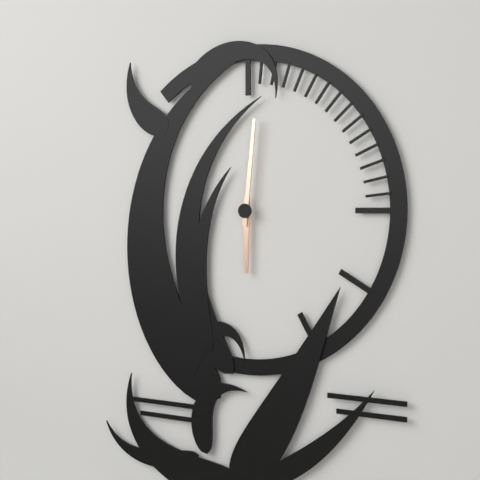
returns 6,01
